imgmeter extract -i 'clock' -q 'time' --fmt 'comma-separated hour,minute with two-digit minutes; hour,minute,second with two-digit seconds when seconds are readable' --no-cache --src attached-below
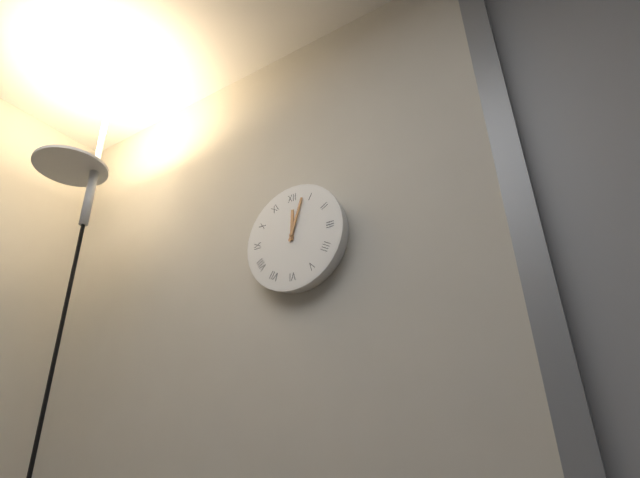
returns 12,03
